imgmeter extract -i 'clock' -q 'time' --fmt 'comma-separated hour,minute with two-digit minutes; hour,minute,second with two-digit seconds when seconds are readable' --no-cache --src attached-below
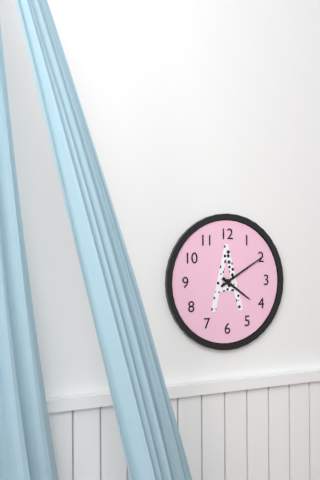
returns 4,10
